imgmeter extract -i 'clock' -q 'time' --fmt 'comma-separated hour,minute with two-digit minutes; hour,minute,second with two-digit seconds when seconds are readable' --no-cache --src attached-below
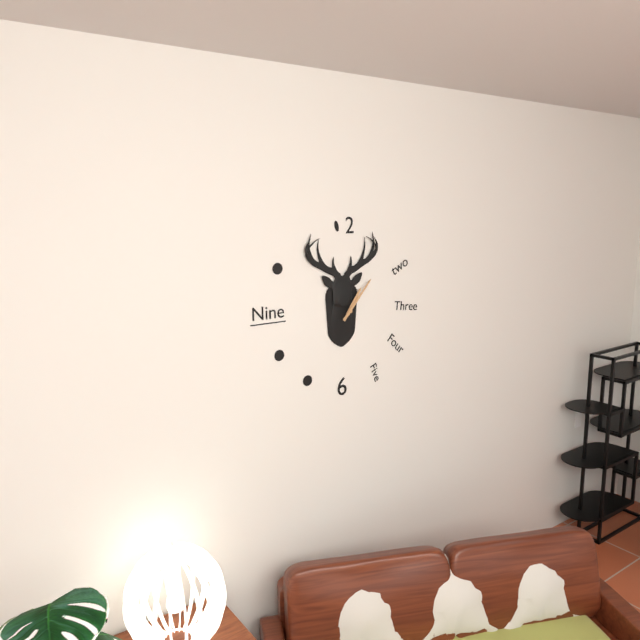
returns 1,07
